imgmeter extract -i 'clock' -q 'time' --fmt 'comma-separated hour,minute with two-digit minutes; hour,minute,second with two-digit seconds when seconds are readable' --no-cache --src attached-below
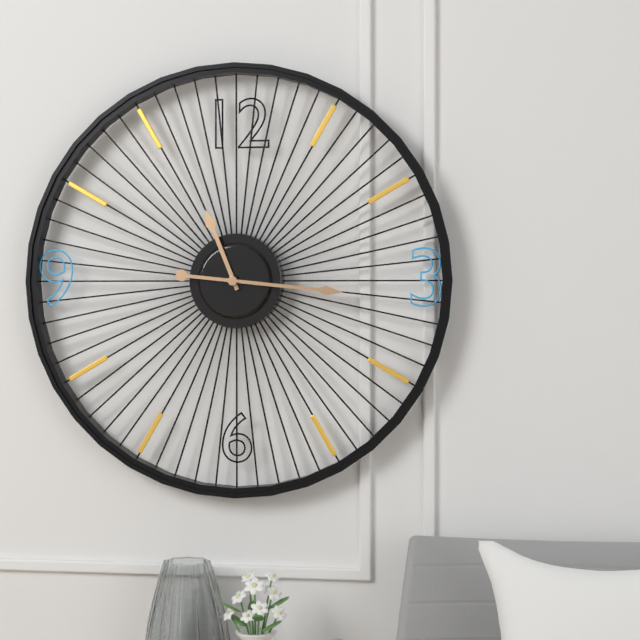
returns 11,16
